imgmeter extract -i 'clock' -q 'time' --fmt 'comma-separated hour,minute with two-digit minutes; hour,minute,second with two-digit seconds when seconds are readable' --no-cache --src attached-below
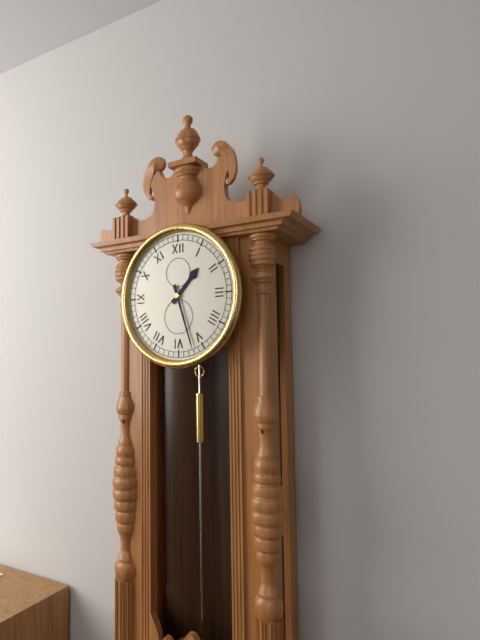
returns 1,27
